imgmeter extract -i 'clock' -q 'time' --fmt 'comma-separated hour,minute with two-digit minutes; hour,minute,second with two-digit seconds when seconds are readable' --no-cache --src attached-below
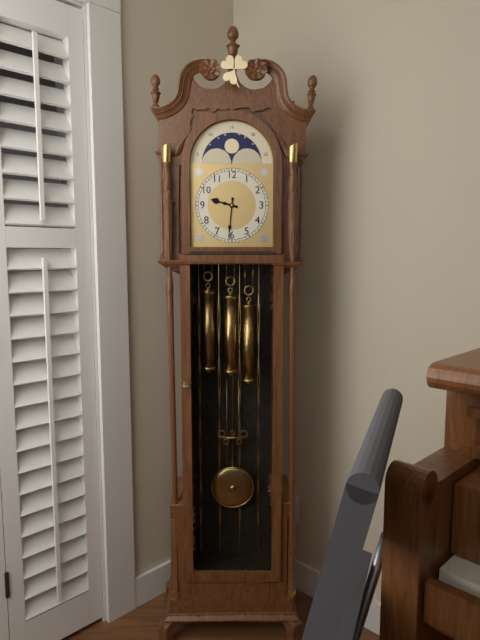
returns 9,31
